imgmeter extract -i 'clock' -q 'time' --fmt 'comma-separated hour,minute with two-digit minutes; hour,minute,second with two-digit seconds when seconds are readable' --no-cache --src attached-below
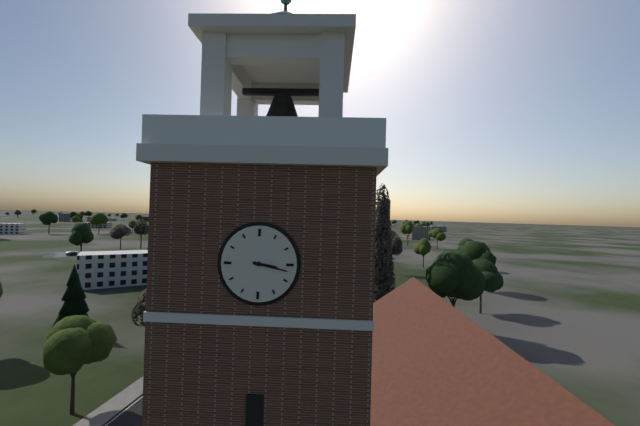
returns 3,17
